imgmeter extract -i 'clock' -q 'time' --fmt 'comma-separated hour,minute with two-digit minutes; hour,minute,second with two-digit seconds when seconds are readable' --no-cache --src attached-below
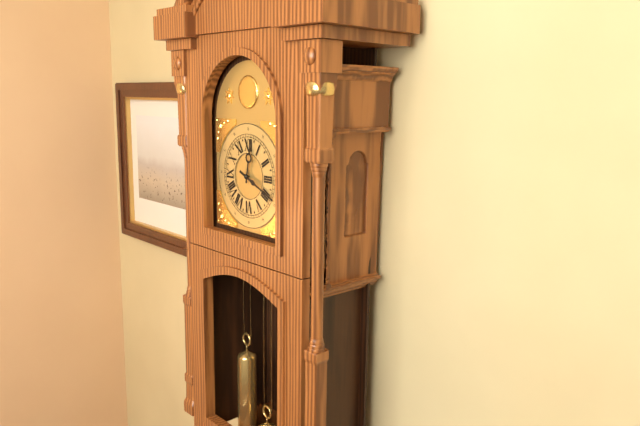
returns 12,19
